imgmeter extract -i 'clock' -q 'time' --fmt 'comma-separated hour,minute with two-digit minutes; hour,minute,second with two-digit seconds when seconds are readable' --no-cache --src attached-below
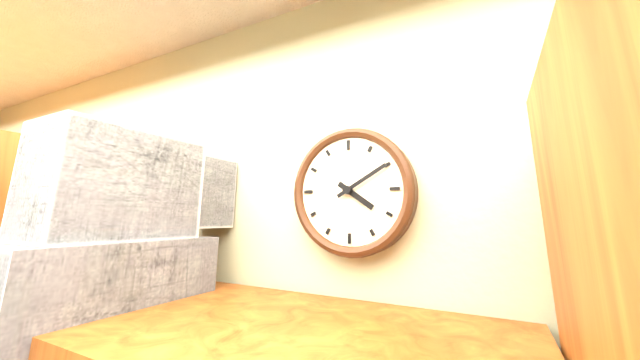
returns 4,10
